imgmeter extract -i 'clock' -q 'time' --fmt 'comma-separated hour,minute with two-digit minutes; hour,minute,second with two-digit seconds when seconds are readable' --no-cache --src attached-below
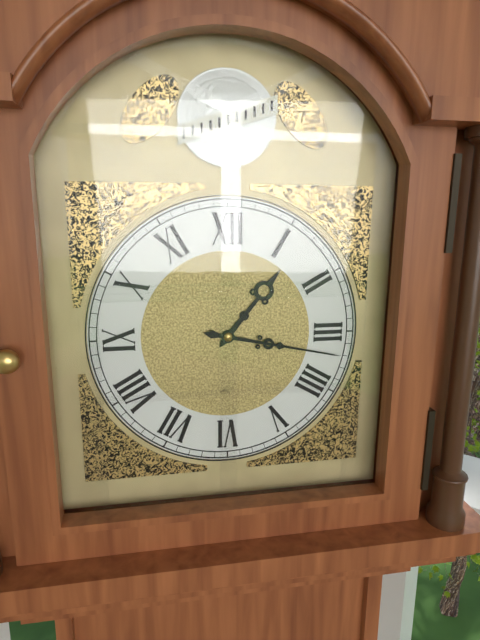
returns 1,17
